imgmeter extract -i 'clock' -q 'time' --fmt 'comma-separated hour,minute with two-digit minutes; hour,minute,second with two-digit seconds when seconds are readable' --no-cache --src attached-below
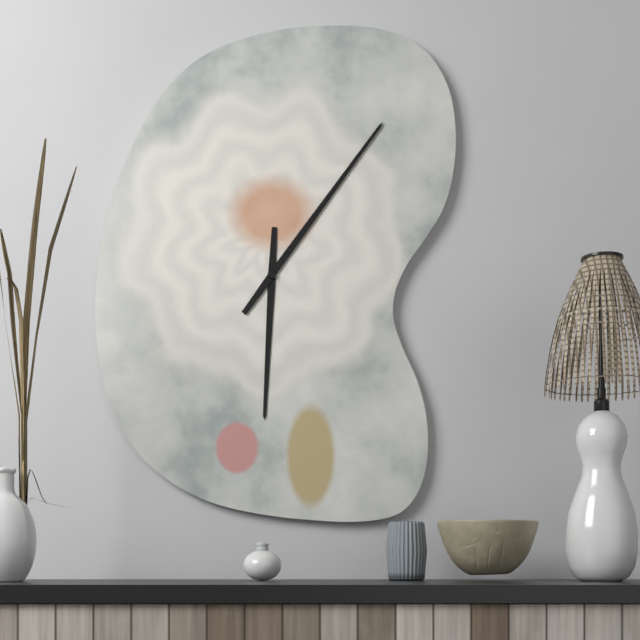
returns 6,06
